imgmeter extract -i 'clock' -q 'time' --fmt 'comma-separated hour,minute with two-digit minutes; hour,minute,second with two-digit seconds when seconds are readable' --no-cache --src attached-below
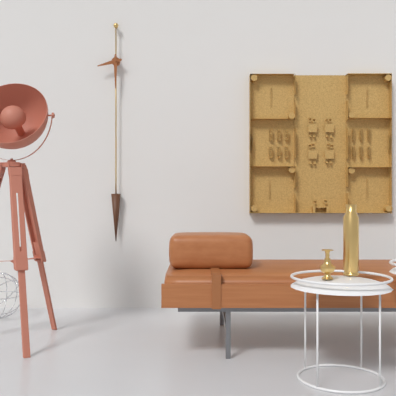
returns 8,30
